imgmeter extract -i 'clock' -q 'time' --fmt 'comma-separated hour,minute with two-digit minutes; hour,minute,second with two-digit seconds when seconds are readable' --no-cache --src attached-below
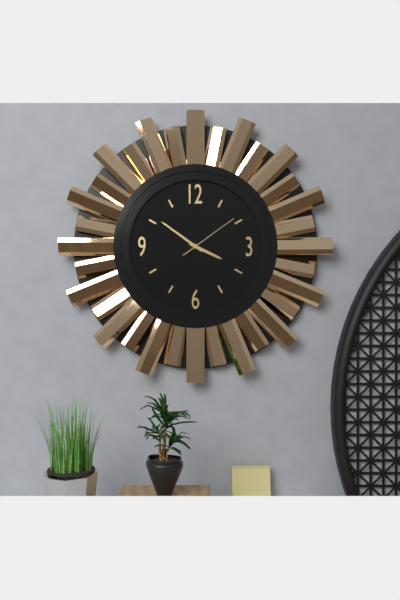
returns 3,51,09
